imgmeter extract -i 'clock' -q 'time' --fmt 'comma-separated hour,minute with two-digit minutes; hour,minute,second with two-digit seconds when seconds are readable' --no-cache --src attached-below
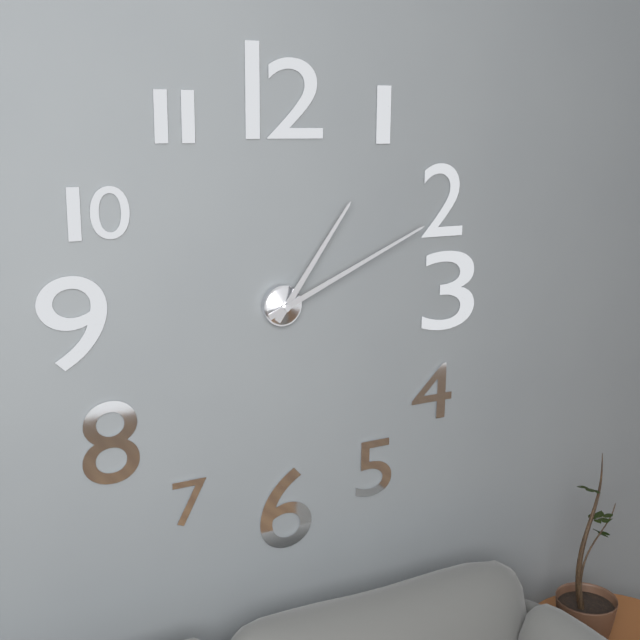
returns 1,11
